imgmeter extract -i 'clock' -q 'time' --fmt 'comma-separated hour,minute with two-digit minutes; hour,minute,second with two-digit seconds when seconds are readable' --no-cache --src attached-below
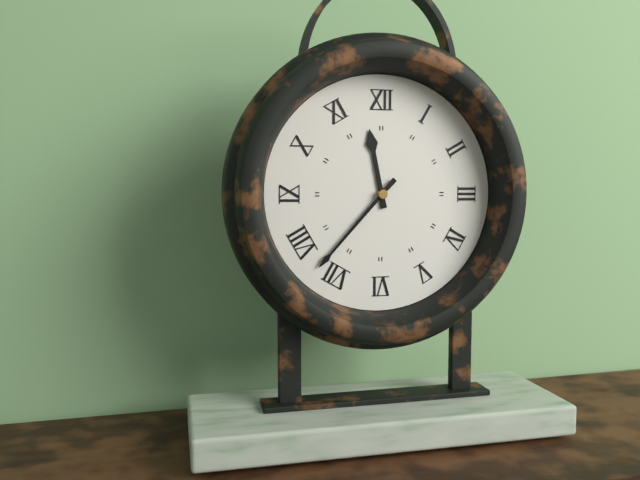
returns 11,37
